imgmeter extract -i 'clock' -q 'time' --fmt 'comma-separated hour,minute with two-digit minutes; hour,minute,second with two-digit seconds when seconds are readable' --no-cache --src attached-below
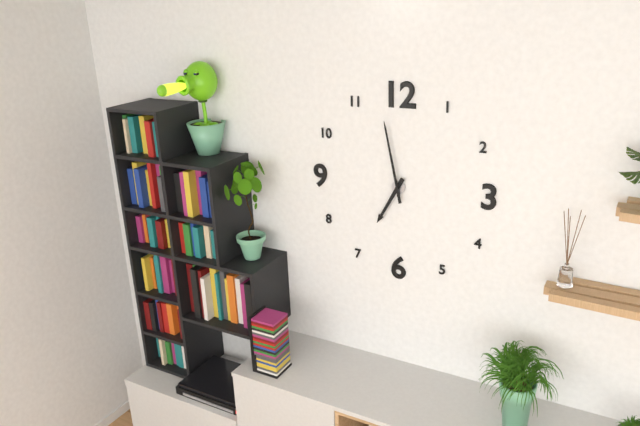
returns 6,58
